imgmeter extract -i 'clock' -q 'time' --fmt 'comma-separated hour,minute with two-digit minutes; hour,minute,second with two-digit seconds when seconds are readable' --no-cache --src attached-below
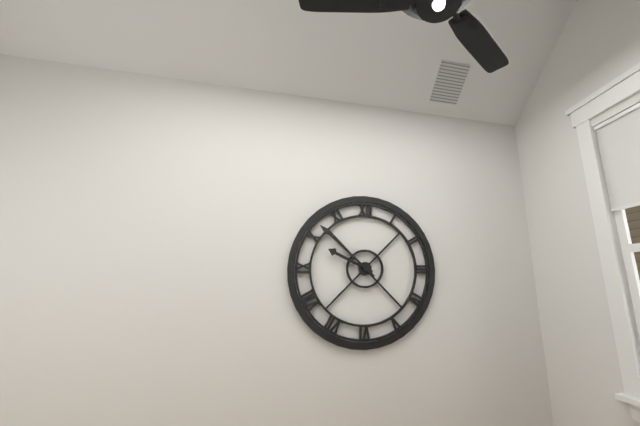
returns 9,52
